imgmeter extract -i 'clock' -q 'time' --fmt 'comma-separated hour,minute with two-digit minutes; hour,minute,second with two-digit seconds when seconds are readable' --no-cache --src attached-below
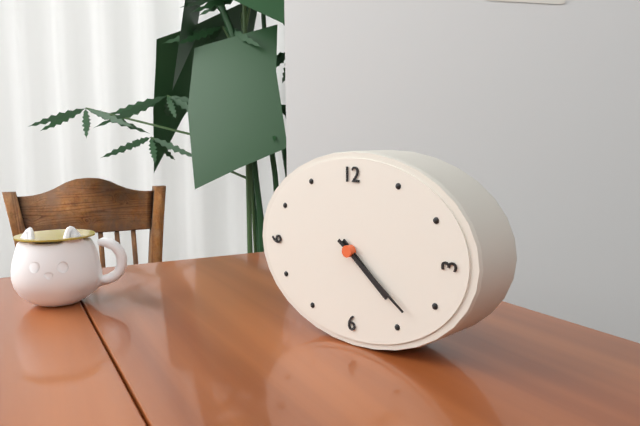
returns 4,21
